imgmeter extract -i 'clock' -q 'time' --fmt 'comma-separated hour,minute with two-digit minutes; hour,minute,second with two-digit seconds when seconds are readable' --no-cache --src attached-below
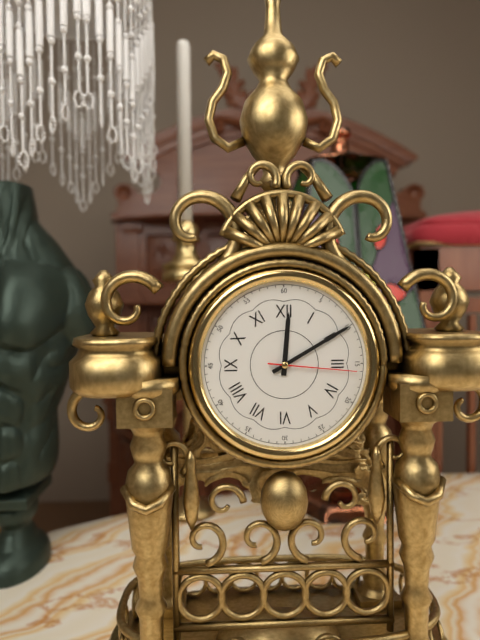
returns 12,10,16
